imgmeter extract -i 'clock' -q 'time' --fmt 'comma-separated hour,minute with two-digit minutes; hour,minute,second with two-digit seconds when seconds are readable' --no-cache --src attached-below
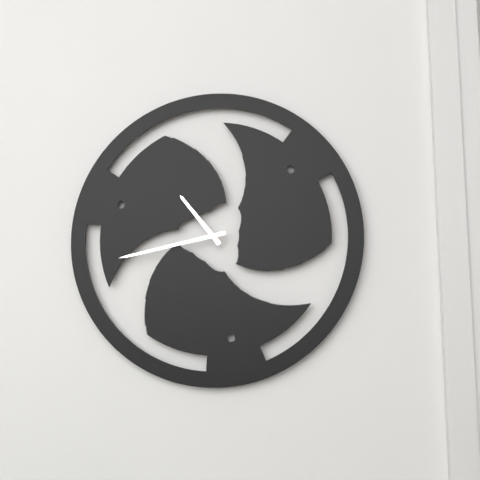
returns 10,43
